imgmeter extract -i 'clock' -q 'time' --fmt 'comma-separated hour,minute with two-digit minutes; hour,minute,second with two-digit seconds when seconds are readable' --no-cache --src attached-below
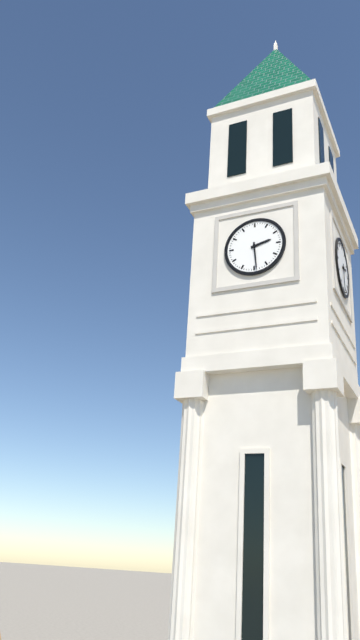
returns 2,29
